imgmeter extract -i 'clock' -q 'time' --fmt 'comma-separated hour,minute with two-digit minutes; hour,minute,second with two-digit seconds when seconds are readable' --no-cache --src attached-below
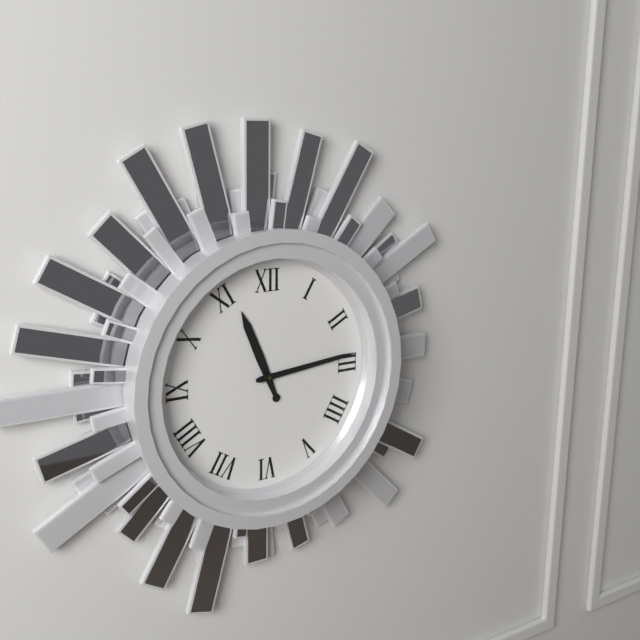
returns 11,14
